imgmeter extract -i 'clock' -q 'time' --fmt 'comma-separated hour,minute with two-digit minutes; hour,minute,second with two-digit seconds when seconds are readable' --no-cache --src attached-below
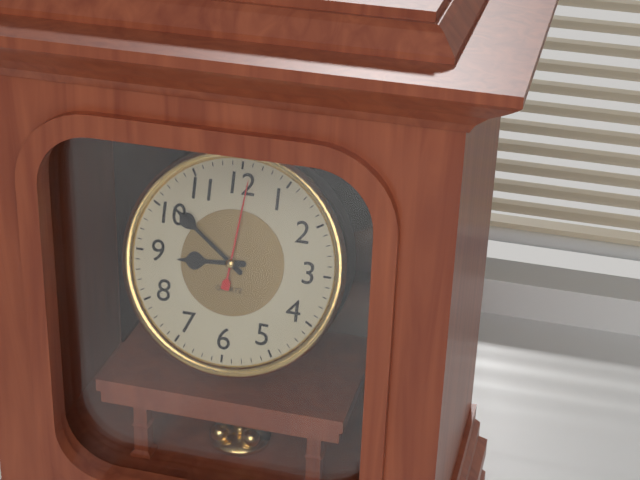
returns 8,51,01
